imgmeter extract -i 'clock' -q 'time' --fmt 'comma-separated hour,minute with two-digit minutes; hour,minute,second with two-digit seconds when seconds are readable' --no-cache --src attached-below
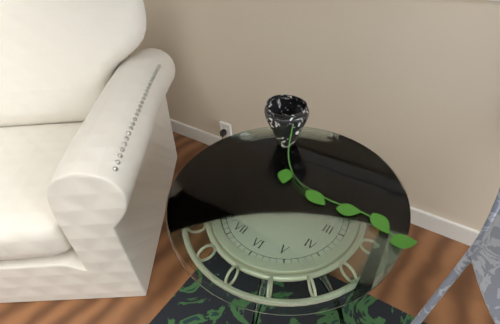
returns 10,01
